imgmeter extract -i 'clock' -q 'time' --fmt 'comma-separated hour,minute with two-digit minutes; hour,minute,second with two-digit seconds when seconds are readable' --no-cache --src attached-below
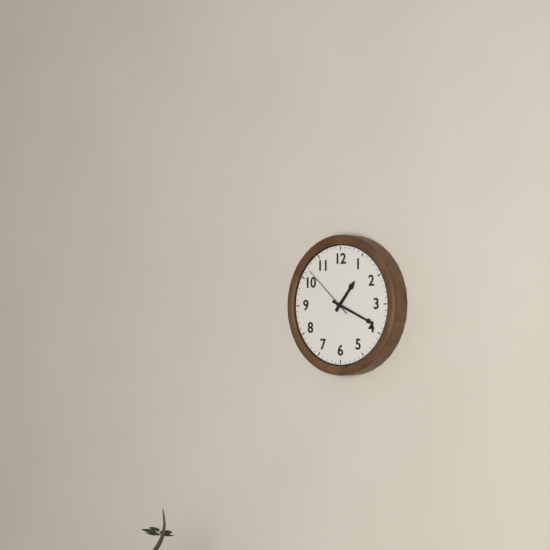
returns 1,19,52
